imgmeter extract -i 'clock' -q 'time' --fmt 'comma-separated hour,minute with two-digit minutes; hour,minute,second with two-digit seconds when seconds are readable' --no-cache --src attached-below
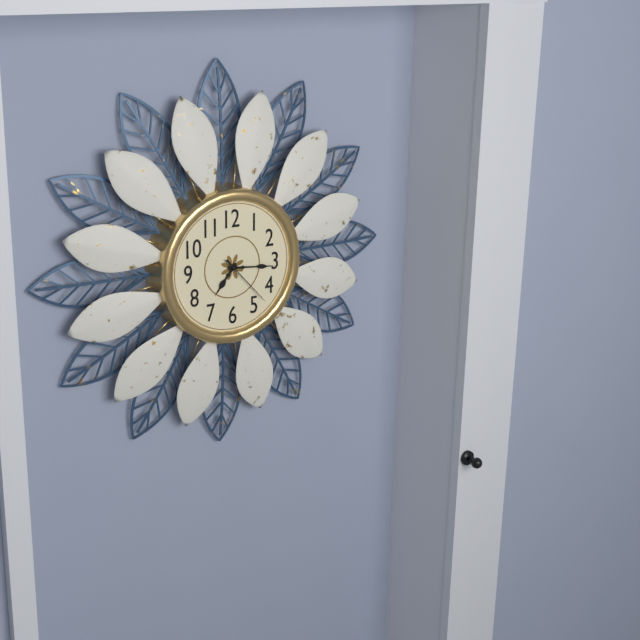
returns 7,16,23
